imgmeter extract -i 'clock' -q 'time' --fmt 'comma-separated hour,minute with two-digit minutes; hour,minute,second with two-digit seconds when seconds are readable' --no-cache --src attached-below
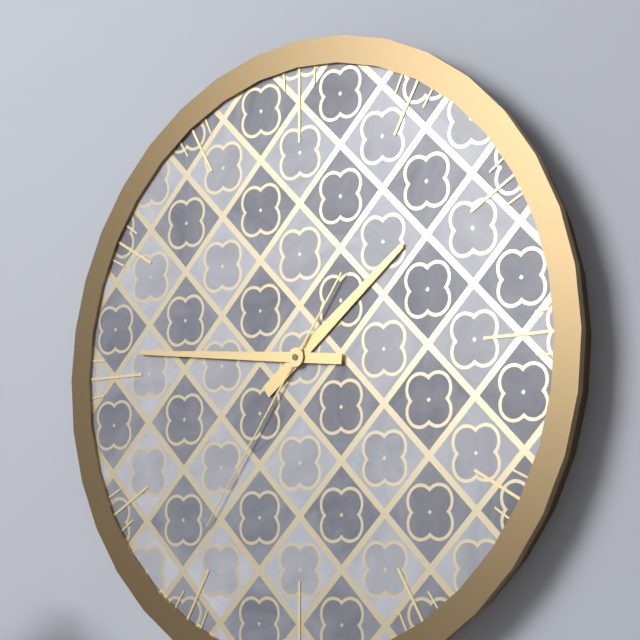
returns 1,46,36
